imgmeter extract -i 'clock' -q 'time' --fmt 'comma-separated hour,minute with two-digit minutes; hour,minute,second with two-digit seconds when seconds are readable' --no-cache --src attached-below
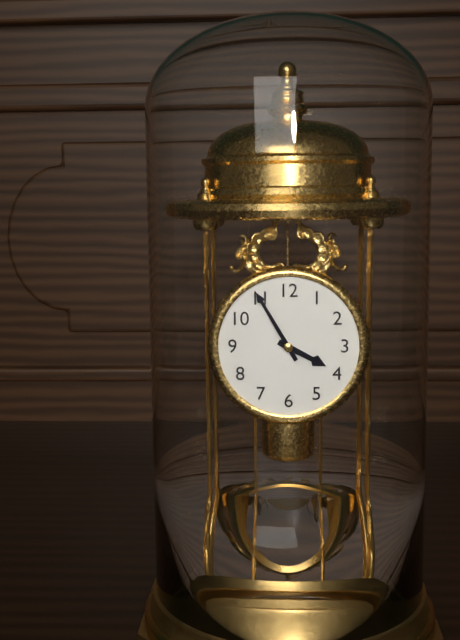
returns 3,55
